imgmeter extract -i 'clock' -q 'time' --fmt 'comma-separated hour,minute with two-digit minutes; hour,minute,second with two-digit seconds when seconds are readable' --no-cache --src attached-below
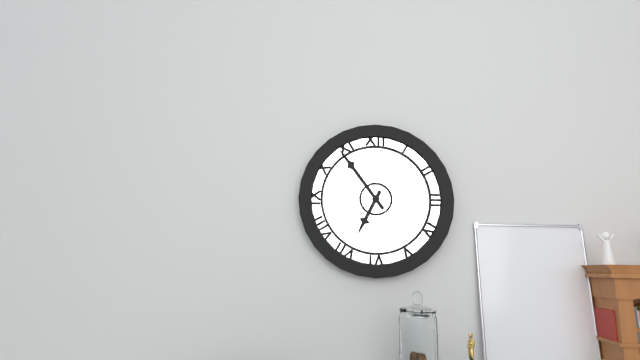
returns 6,54
